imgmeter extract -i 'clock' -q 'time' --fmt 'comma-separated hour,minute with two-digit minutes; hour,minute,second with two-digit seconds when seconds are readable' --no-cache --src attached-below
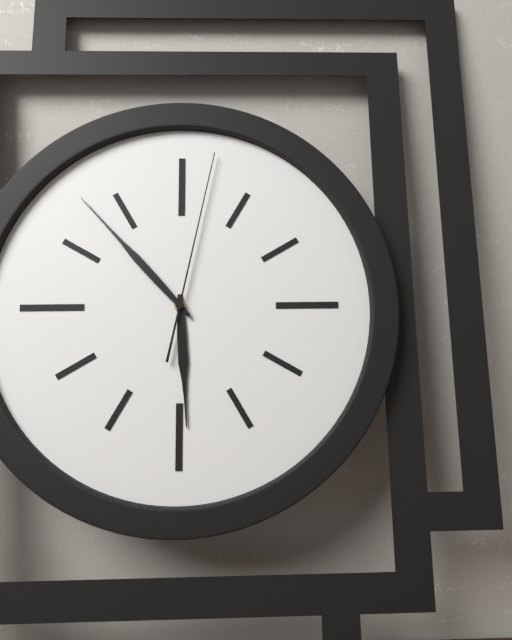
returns 5,53,02
